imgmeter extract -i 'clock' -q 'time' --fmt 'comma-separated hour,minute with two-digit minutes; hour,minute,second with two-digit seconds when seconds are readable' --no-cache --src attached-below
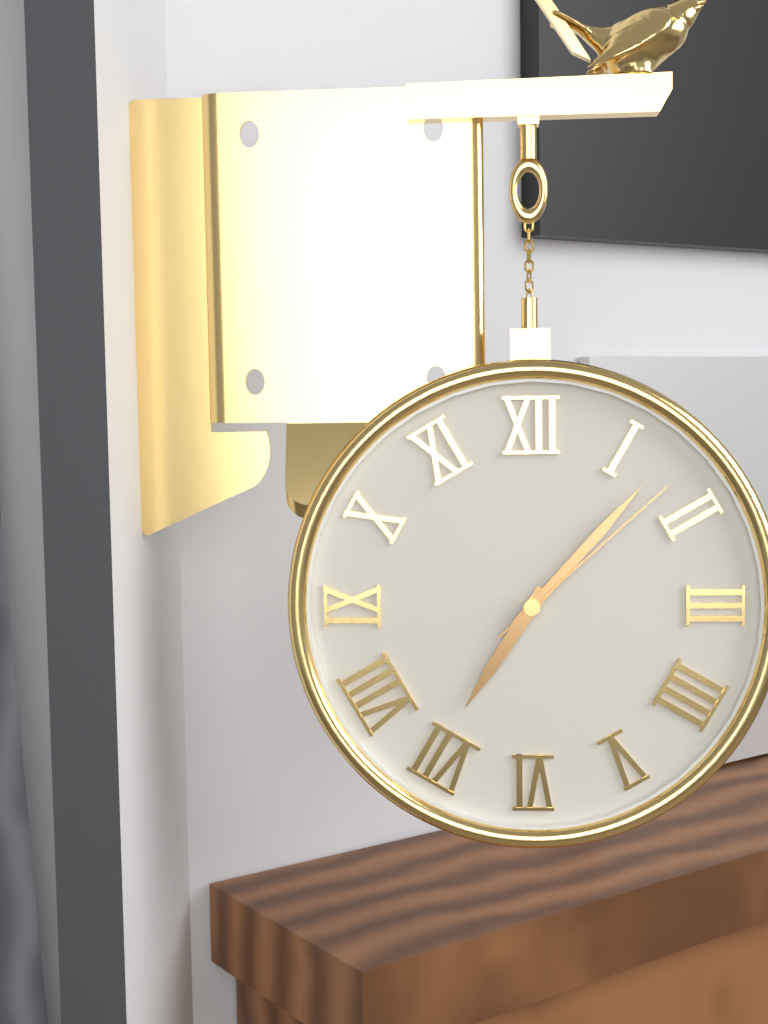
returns 7,07,08
